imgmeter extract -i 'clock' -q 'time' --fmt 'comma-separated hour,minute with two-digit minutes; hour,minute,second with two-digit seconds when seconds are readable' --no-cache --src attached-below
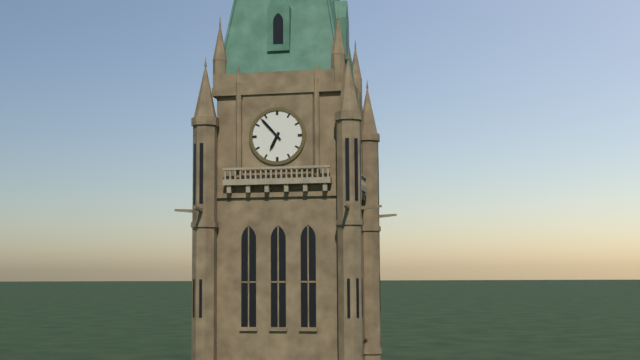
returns 6,53
